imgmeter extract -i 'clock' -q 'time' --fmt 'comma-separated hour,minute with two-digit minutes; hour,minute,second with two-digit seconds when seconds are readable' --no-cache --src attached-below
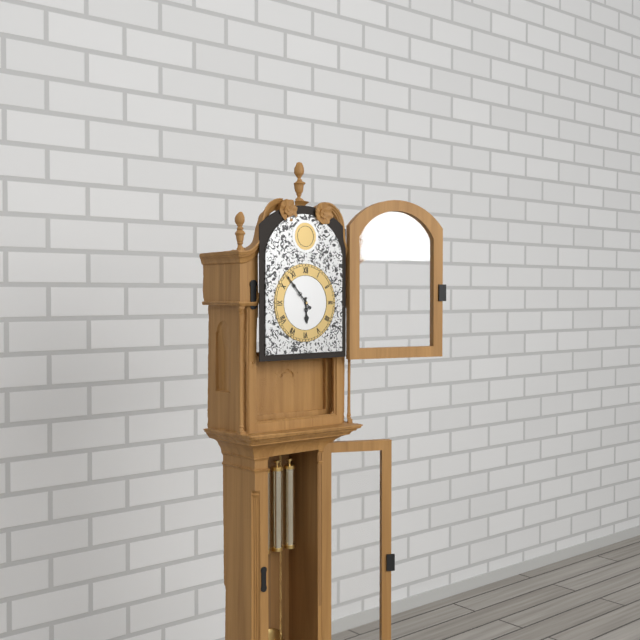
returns 5,53
